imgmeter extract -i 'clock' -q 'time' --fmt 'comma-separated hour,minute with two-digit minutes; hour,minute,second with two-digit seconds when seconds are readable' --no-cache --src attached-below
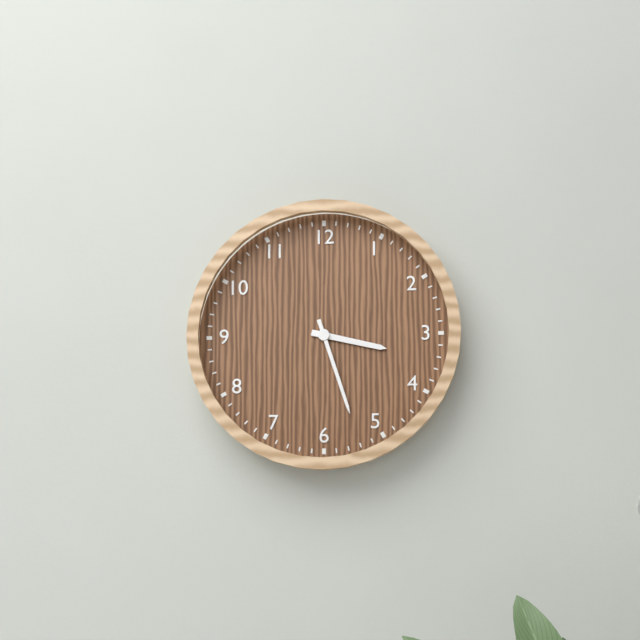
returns 3,27
